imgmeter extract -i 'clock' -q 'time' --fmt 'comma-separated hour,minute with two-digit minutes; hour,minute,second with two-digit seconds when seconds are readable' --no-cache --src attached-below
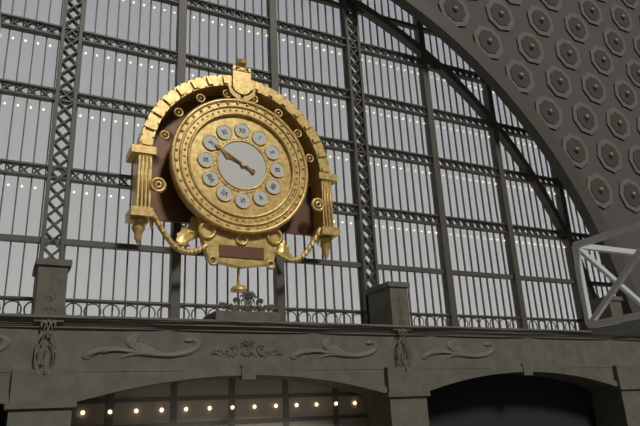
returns 9,50
